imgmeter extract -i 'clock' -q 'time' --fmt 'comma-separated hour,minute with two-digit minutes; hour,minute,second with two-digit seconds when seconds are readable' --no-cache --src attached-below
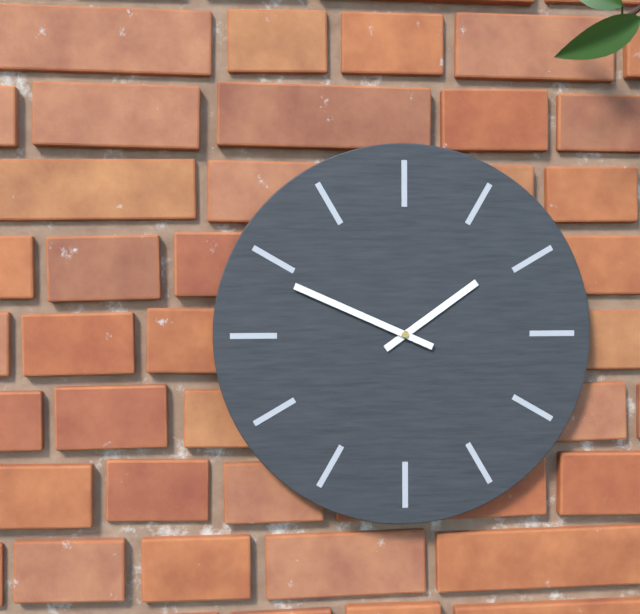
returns 1,49
